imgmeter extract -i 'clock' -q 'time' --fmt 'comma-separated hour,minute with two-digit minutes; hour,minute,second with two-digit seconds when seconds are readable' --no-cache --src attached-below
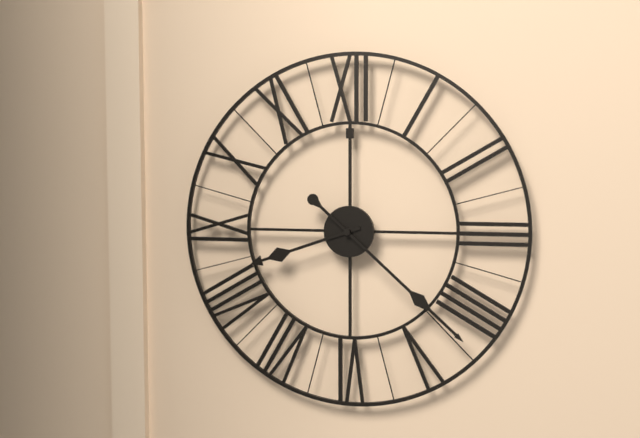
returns 8,22
